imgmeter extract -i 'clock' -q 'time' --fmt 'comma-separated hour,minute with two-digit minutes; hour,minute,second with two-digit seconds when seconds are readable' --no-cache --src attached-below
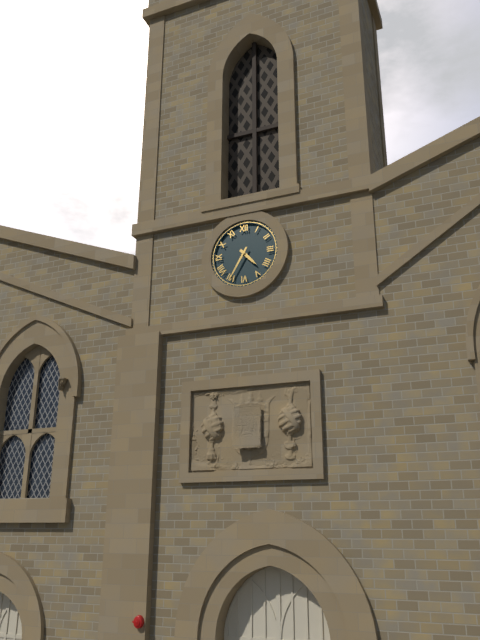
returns 4,35
